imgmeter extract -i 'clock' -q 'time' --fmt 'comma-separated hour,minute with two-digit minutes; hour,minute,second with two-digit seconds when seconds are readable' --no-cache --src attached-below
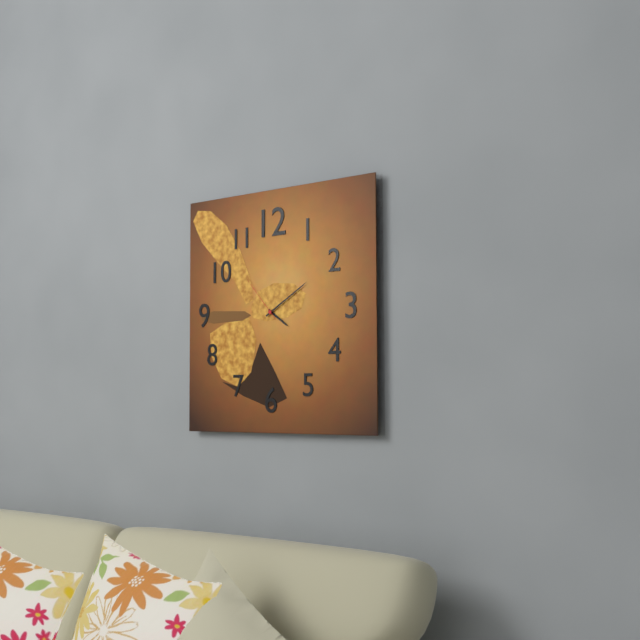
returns 4,10
